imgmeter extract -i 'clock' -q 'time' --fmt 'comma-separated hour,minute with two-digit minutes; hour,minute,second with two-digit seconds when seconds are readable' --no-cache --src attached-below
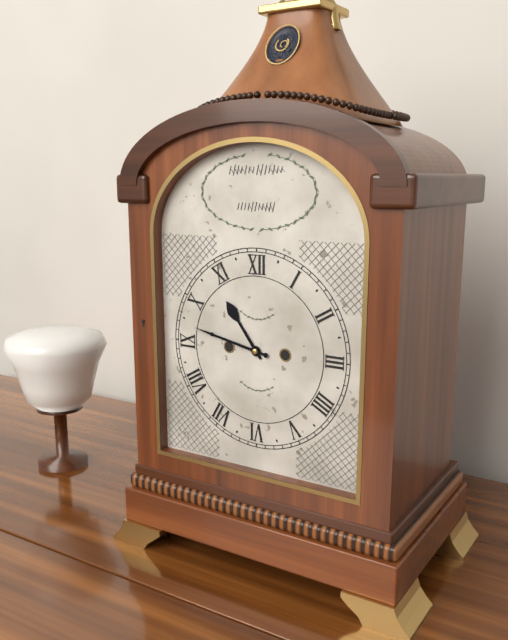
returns 10,47
